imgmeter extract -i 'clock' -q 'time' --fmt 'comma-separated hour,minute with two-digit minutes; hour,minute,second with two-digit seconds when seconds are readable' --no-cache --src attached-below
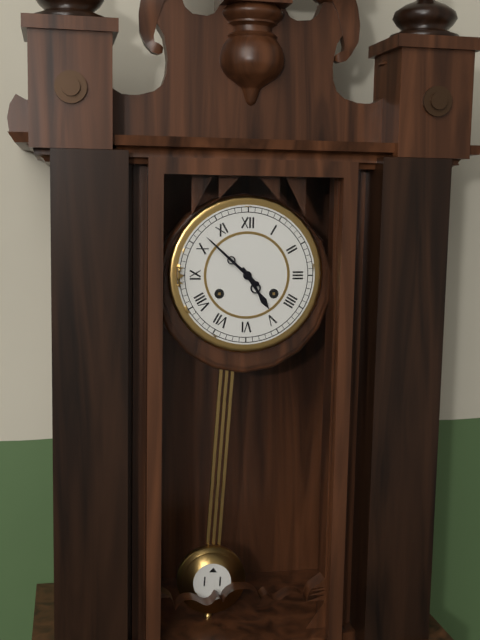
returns 4,52
